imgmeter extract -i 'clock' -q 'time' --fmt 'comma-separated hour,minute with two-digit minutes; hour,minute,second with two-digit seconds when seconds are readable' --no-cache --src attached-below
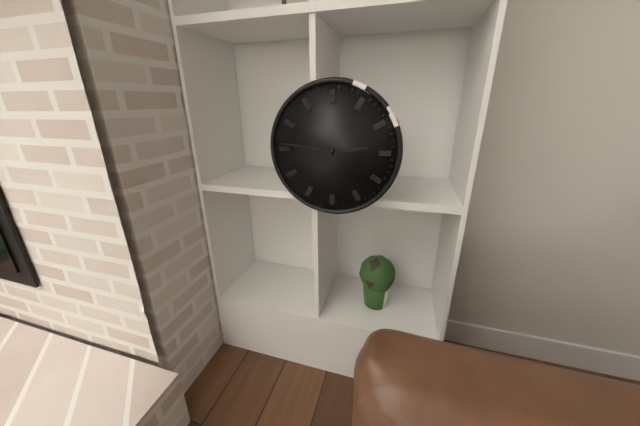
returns 2,46
